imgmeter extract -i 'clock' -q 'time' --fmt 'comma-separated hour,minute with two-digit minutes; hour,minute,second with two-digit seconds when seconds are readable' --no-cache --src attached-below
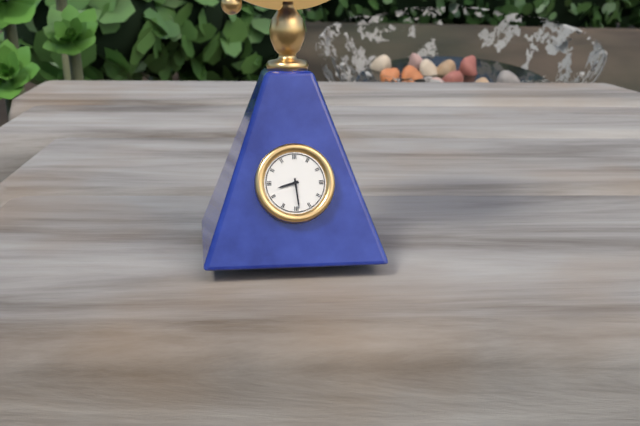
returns 8,29
